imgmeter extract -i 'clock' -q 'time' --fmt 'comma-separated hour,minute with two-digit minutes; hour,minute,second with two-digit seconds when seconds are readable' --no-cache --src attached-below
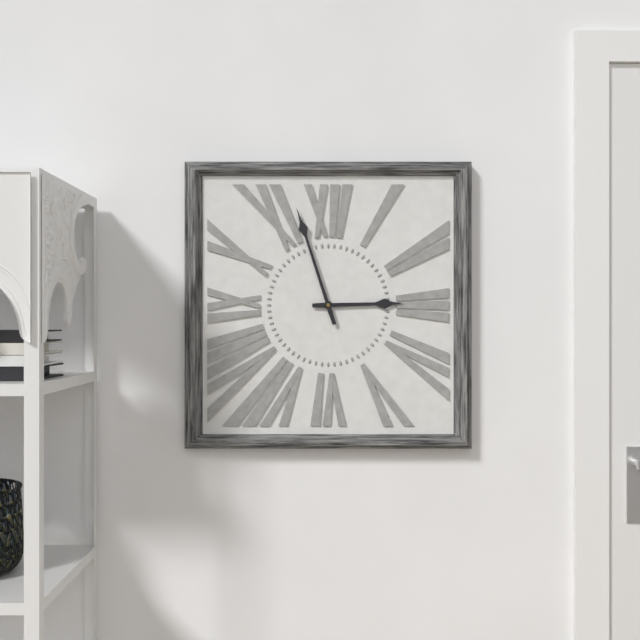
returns 2,57
